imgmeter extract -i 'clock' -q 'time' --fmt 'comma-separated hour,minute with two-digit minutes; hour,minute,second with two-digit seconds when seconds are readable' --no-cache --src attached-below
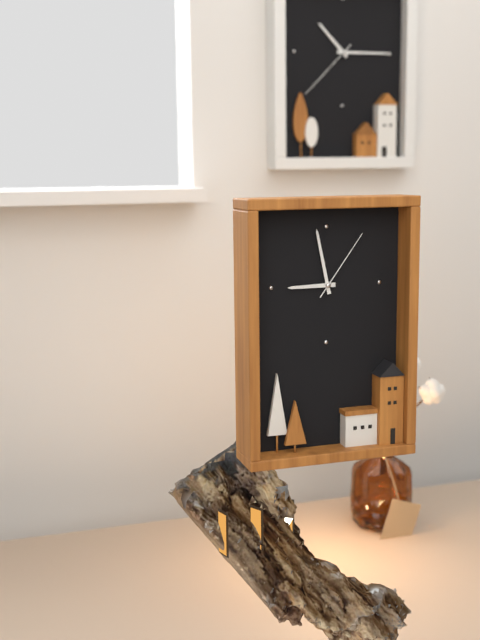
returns 8,58,06
